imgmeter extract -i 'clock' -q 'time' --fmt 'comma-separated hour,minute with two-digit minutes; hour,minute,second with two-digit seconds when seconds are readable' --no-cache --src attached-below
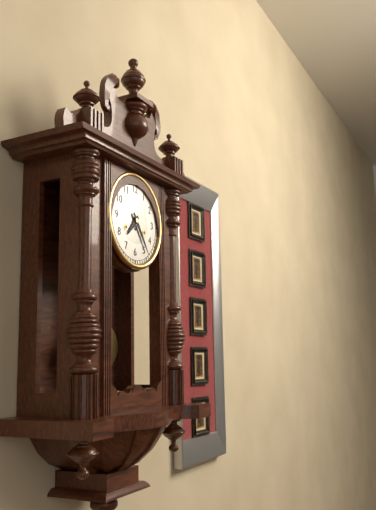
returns 7,24
